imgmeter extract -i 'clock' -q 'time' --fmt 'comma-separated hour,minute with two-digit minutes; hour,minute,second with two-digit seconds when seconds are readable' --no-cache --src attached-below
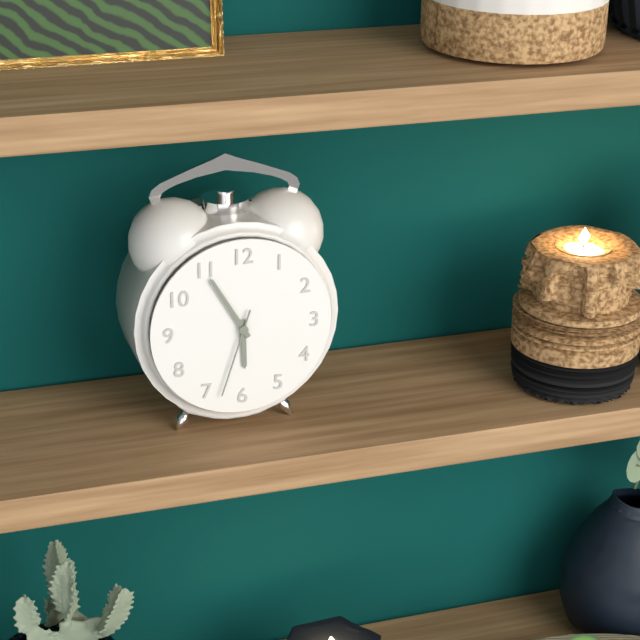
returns 5,55,33
